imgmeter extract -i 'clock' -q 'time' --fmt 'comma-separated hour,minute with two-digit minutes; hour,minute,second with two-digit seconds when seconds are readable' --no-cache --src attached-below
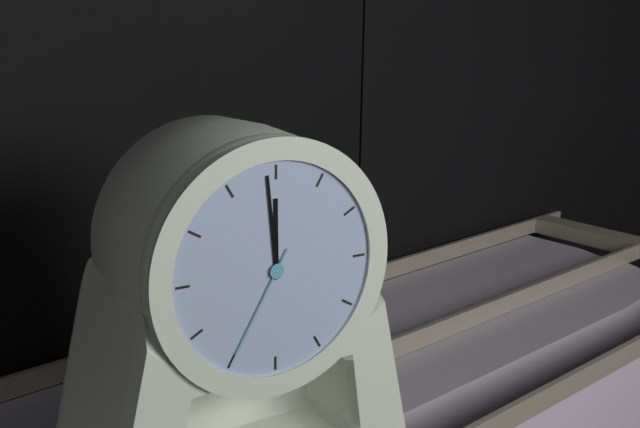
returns 11,59,35
